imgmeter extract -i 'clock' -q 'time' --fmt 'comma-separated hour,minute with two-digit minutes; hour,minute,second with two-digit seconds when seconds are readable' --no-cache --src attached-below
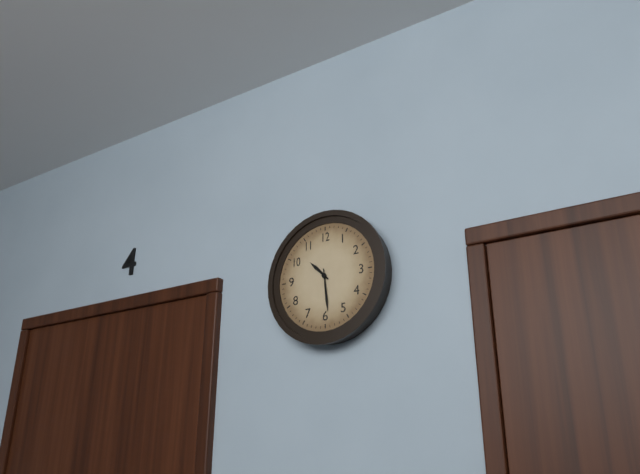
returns 10,29
